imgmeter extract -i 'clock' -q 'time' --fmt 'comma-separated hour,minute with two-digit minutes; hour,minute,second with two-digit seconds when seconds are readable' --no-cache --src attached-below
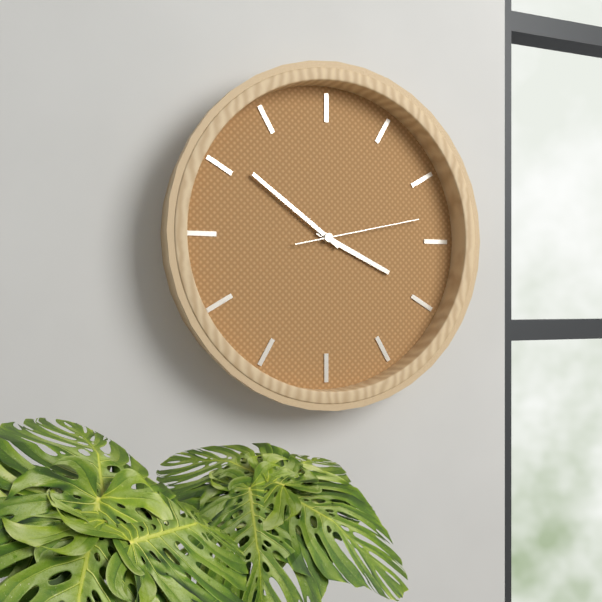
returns 3,51,13
